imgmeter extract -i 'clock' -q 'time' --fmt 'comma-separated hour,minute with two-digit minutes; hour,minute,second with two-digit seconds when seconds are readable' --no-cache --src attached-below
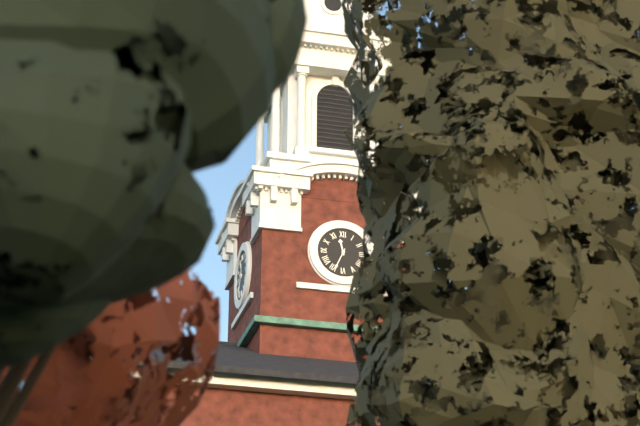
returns 11,34
